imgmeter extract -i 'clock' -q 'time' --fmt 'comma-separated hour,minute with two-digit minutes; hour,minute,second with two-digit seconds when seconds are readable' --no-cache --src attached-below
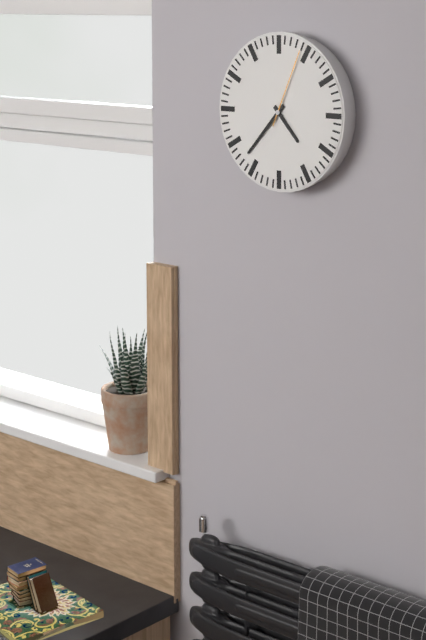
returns 4,37,04
